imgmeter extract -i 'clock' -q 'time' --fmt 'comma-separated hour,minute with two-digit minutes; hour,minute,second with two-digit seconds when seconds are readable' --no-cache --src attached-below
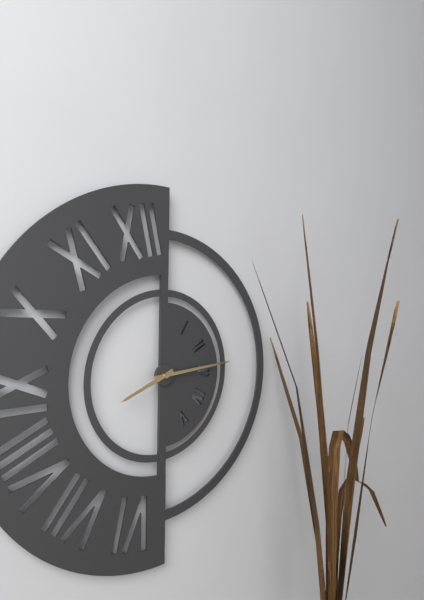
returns 8,14
